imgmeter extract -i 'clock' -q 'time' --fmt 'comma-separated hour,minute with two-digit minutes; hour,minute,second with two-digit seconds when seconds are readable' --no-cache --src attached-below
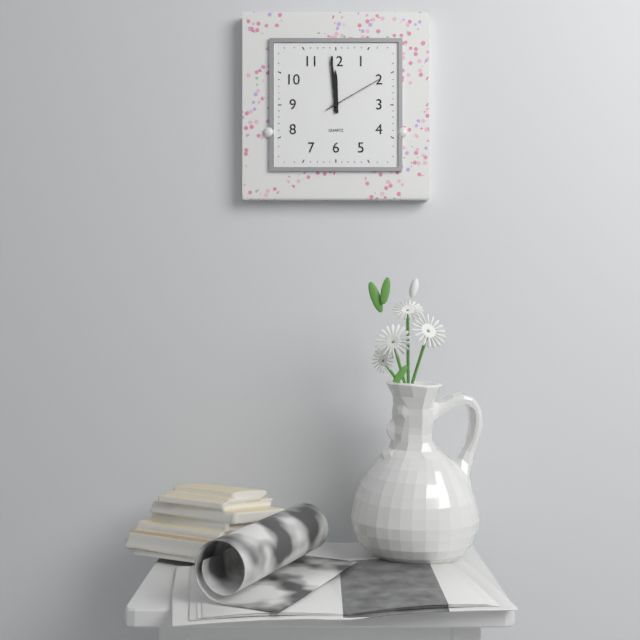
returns 11,59,10
